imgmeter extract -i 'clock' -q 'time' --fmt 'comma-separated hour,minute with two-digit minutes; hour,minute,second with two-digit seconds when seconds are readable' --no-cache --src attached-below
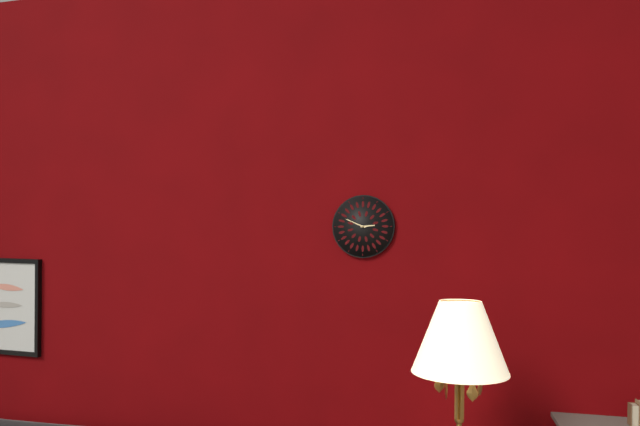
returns 2,49
